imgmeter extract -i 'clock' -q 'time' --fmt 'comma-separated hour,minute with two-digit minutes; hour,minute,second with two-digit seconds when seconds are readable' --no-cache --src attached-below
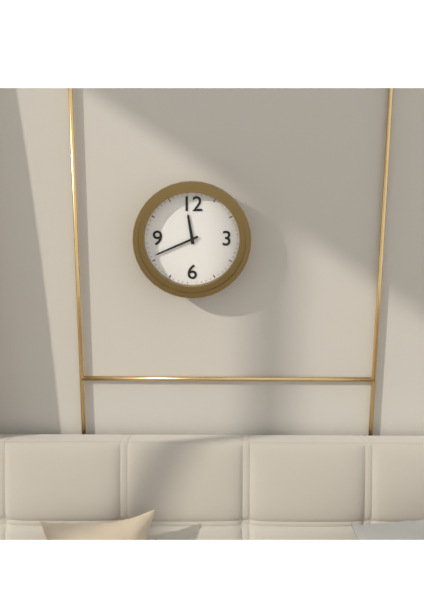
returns 11,41
